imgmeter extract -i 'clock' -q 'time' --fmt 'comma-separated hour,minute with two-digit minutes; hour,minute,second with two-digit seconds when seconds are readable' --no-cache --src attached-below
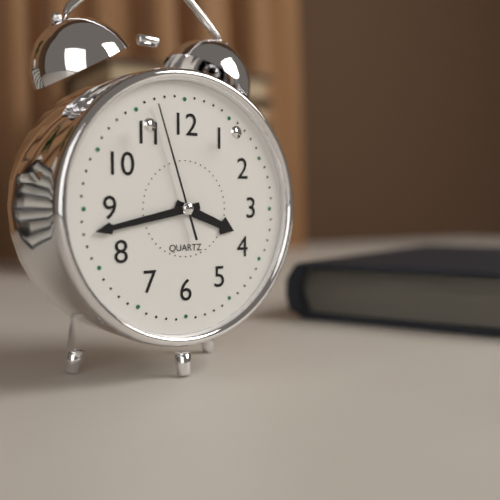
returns 3,43,57
